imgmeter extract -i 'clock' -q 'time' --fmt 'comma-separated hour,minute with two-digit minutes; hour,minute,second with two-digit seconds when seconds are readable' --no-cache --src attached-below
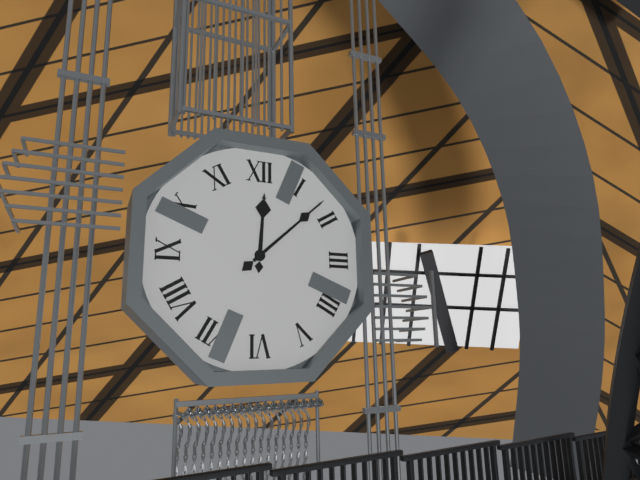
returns 12,08
